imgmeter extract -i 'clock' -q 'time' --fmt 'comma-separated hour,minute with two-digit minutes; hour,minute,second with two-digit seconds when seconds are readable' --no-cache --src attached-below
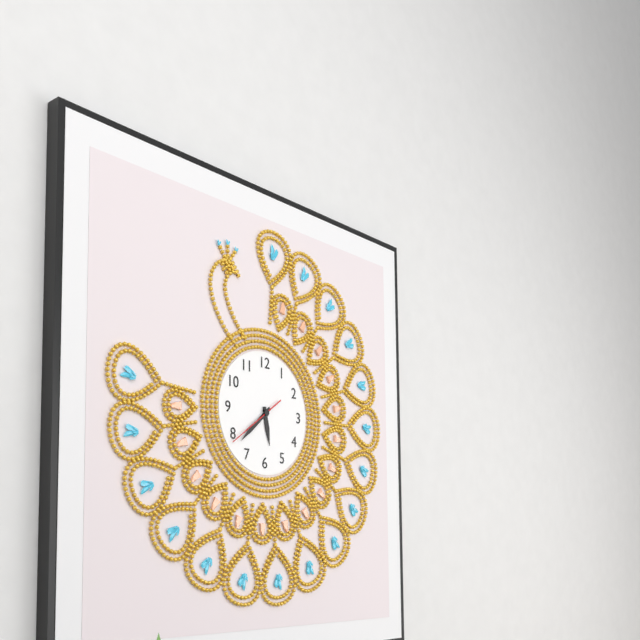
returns 5,38,39
